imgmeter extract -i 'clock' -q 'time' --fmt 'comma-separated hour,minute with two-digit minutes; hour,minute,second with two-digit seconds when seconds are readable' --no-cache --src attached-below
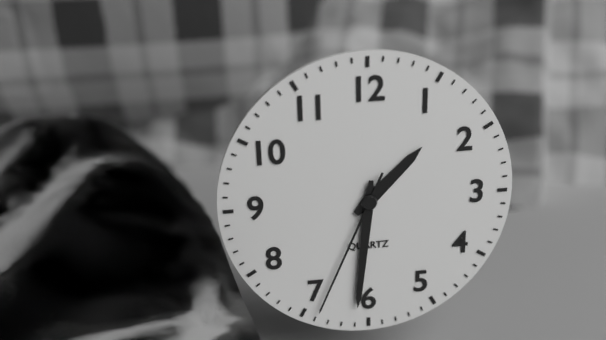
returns 1,31,34
